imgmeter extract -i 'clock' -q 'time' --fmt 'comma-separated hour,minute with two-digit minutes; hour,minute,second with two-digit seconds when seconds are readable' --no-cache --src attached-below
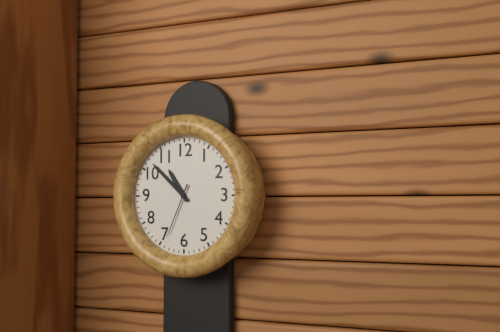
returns 10,52,34
